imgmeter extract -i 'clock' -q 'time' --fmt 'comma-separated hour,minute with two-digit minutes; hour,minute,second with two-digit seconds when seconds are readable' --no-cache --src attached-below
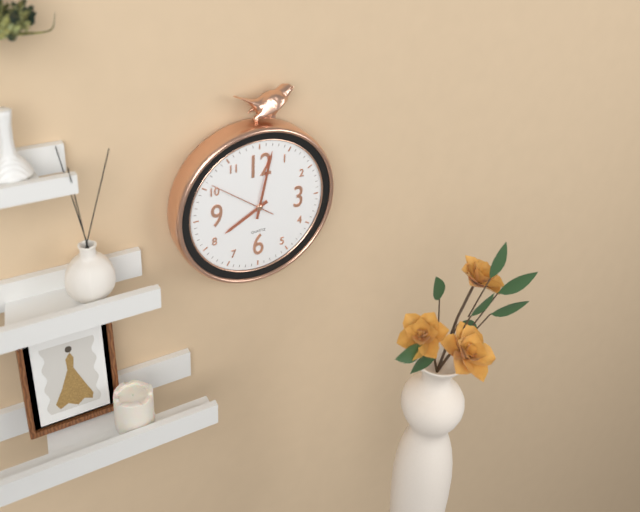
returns 8,02
